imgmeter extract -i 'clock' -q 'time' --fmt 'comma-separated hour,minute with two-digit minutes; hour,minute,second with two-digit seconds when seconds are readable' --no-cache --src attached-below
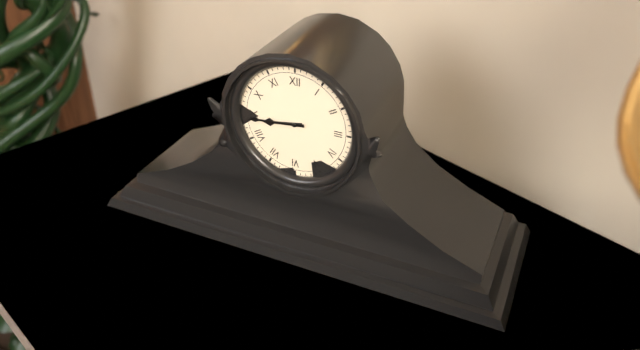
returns 8,44
